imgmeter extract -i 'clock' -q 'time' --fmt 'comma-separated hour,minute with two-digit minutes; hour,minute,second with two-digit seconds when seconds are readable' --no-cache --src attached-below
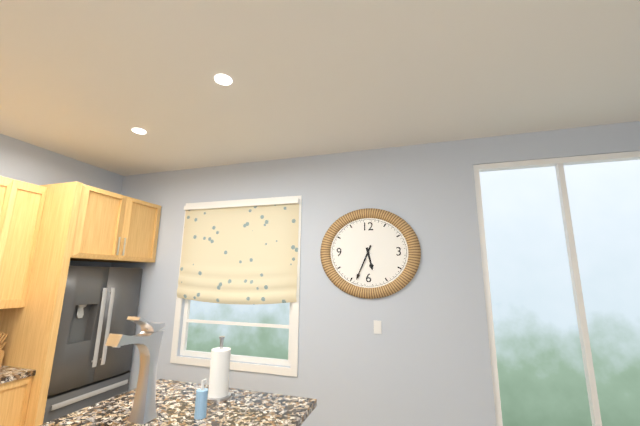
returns 5,34
